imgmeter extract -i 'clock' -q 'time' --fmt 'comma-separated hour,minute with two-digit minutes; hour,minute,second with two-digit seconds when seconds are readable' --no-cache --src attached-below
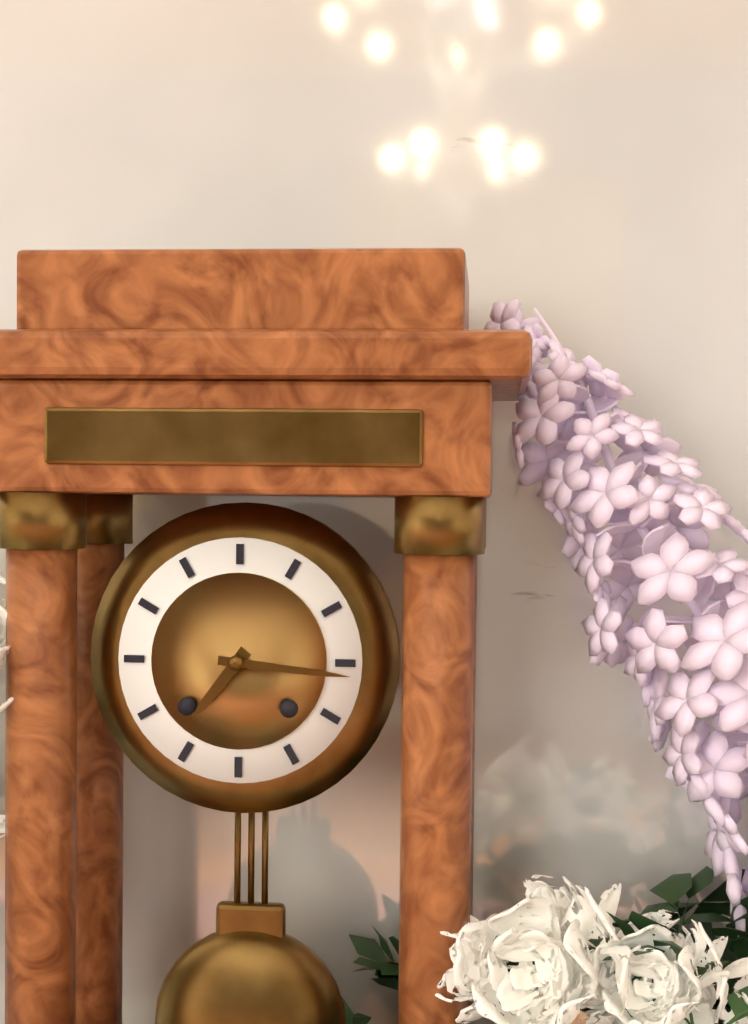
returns 7,16
